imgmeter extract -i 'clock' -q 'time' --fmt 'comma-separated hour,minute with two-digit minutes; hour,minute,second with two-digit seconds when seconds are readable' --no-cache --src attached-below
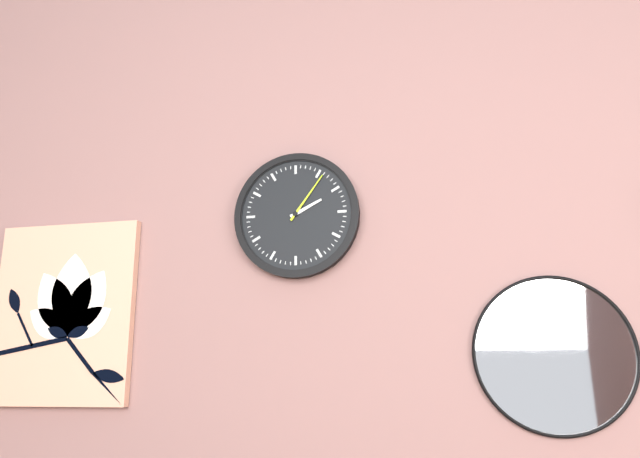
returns 2,06
